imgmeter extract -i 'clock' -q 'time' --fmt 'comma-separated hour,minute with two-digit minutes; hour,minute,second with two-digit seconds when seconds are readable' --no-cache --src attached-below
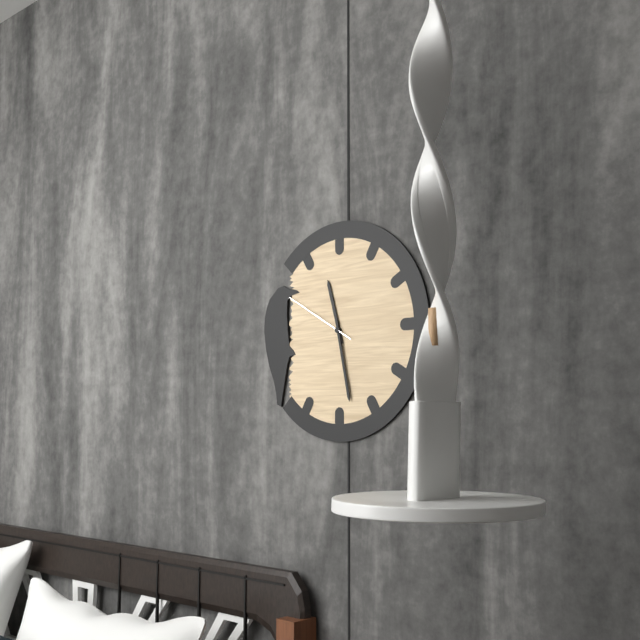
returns 11,28,50
